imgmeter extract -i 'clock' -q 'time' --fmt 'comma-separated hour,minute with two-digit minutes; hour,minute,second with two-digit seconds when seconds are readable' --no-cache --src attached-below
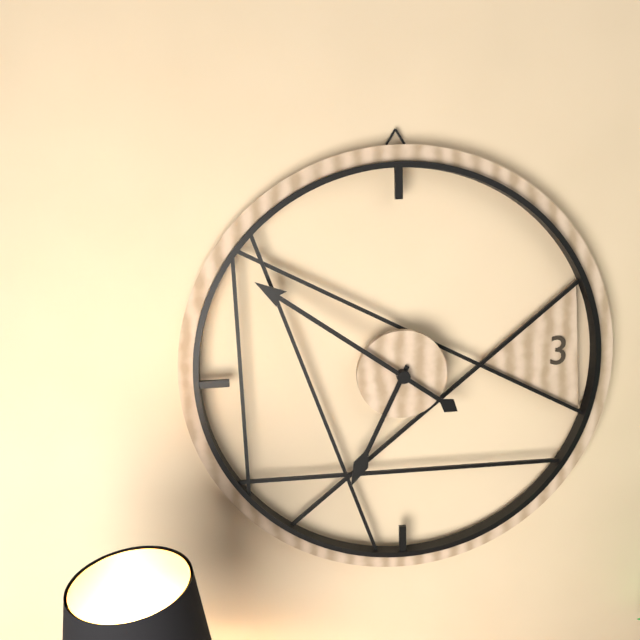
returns 6,51
